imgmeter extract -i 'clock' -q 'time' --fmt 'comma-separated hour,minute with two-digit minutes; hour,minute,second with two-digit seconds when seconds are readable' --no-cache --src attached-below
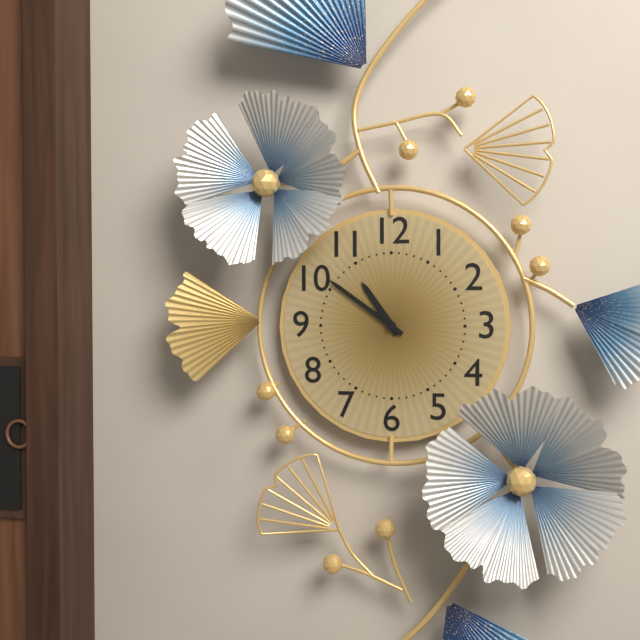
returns 10,51
